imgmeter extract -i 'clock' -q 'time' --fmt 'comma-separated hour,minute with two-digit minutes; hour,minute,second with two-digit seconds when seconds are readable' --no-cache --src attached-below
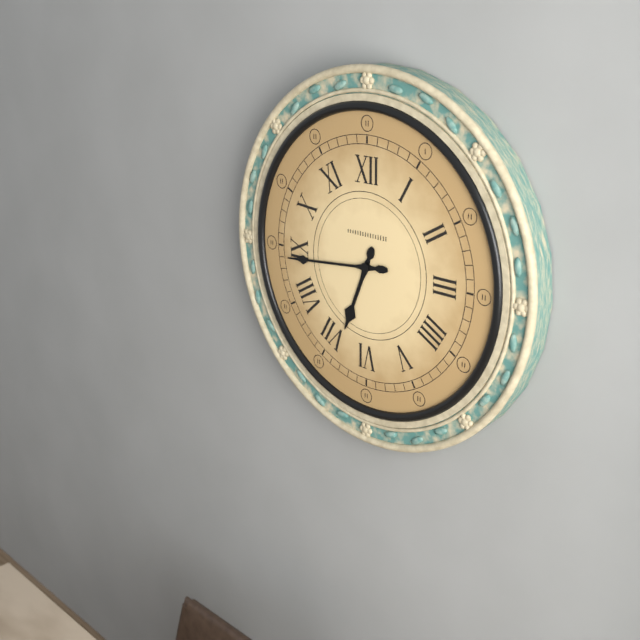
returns 6,44
